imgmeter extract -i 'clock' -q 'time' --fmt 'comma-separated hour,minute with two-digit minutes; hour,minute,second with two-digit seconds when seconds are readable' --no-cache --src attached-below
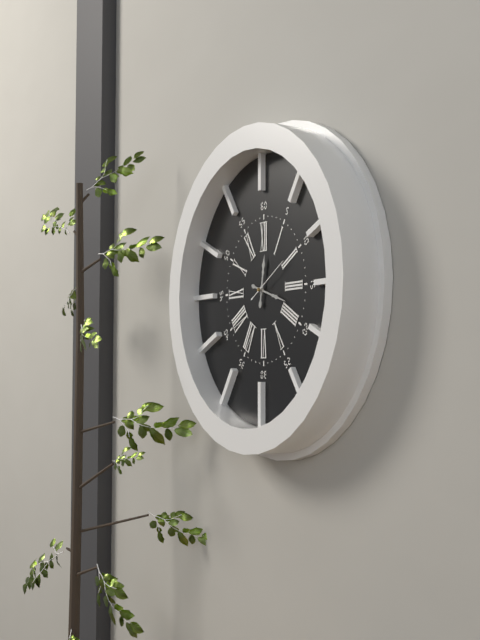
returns 12,18
